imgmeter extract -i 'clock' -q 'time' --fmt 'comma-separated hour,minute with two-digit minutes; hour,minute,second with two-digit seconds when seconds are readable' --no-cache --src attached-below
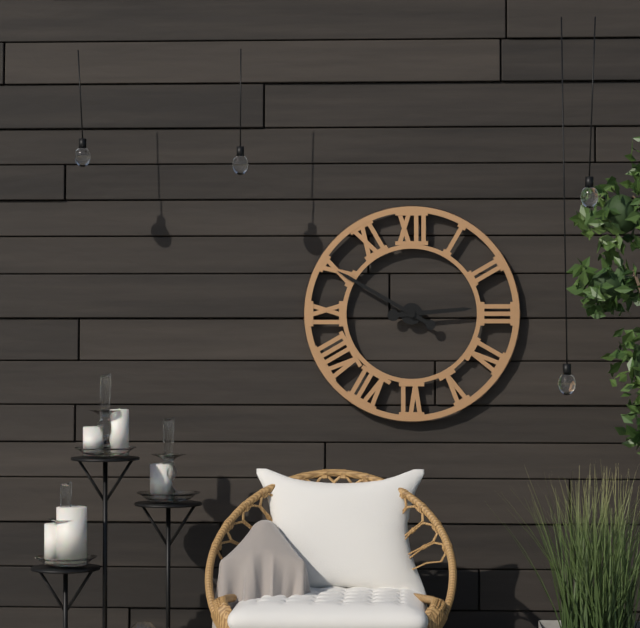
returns 2,50
